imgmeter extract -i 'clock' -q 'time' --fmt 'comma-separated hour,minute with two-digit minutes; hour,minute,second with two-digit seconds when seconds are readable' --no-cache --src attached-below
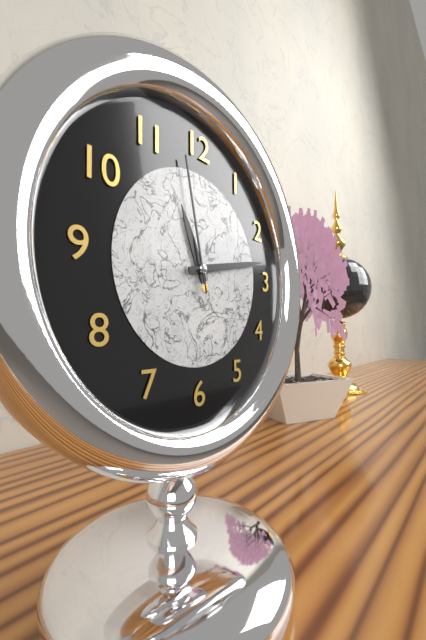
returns 11,13,58
